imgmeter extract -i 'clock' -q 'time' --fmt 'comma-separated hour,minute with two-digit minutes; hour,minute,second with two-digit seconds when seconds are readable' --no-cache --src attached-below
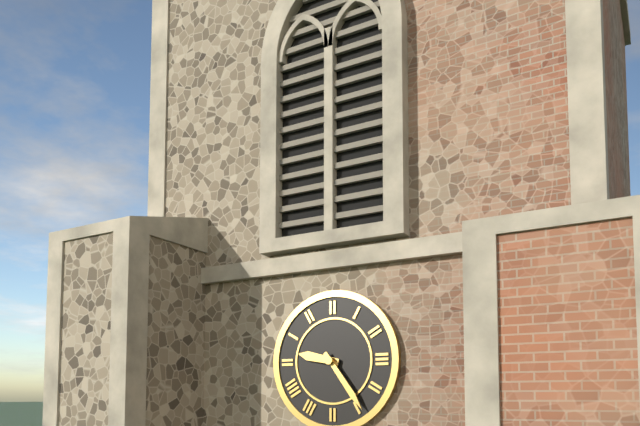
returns 9,24
